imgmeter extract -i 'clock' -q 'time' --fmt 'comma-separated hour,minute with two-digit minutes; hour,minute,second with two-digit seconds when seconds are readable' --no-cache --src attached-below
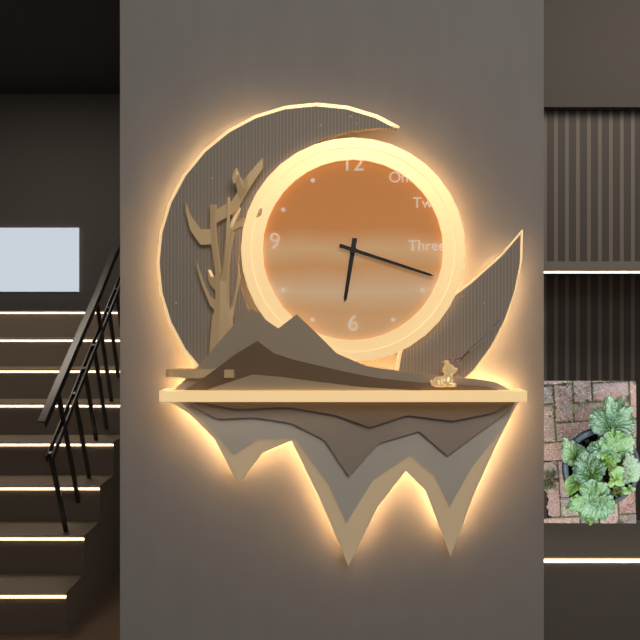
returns 6,18
